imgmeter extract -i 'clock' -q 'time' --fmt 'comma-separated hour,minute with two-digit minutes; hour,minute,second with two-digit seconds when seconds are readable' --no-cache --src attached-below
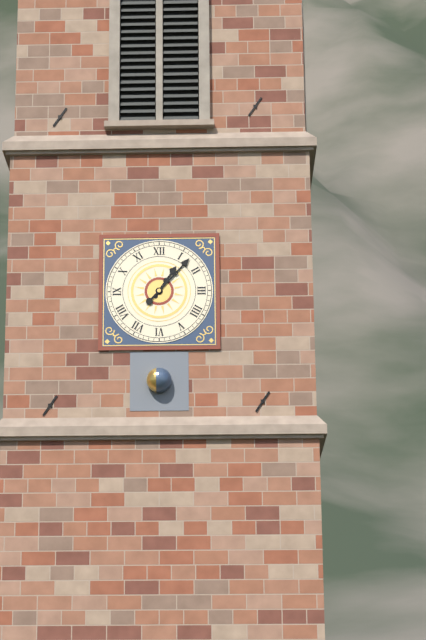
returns 1,07
